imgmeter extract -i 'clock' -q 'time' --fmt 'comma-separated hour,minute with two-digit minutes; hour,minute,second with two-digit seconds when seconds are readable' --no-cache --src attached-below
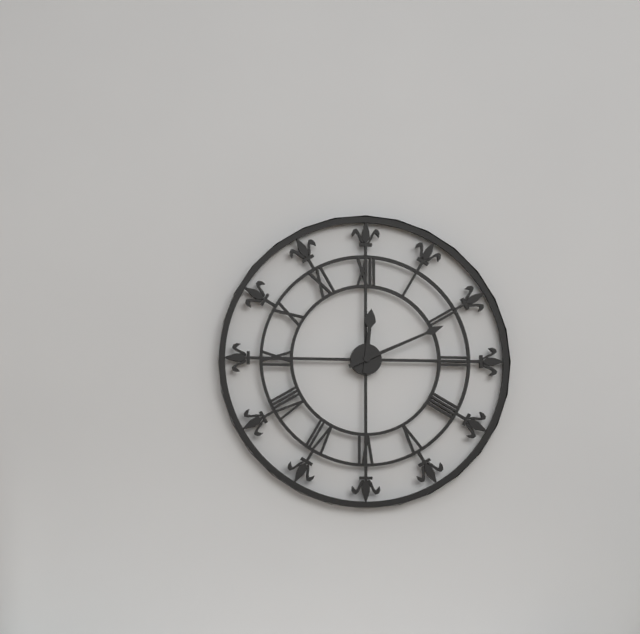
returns 12,11
